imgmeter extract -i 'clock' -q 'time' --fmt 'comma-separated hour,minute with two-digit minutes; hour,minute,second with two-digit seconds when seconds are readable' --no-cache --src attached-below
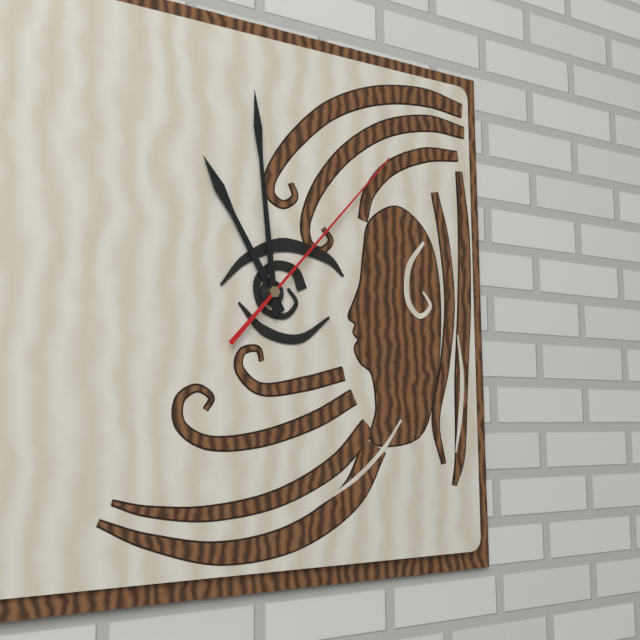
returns 10,59,07
